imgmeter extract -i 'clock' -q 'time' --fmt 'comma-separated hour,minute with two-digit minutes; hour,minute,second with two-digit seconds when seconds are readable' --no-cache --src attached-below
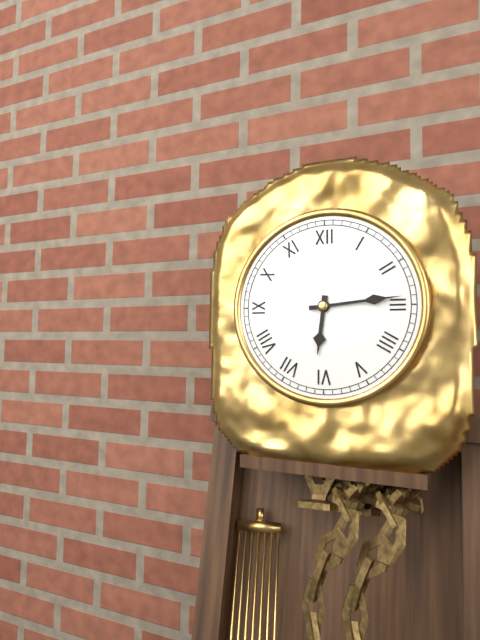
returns 6,14
